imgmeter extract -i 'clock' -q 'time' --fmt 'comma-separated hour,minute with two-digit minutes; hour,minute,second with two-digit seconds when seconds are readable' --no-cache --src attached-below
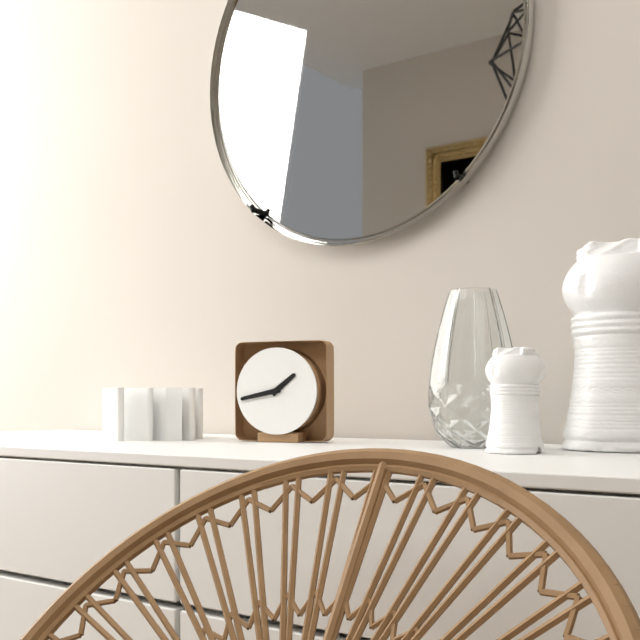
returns 1,43
